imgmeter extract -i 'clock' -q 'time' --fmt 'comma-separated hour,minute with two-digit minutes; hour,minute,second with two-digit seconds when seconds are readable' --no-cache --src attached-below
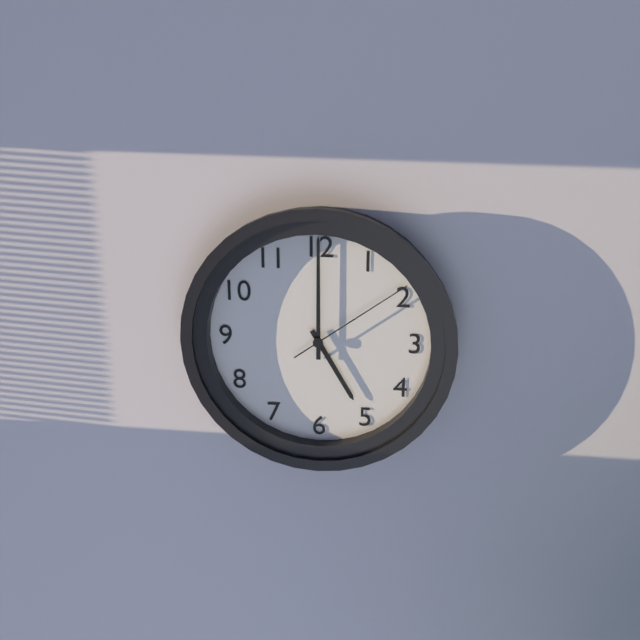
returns 5,00,09
